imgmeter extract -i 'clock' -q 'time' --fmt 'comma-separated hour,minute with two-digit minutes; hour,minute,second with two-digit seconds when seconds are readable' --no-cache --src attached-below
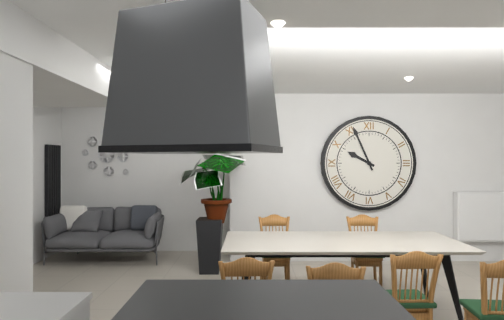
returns 9,56
